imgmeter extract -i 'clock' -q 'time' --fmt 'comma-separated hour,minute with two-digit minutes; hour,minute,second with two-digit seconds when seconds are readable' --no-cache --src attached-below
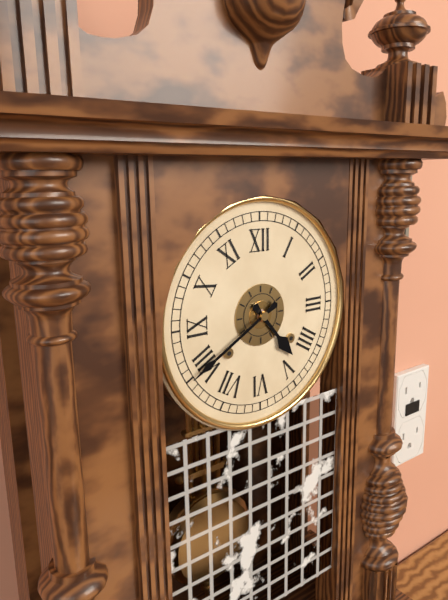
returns 4,40
